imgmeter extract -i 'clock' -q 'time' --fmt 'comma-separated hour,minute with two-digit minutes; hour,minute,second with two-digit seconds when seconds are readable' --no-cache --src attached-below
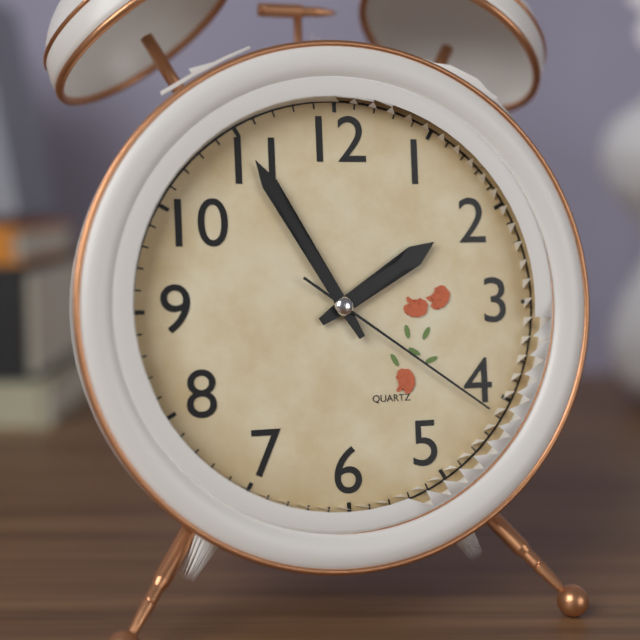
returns 1,55,21
